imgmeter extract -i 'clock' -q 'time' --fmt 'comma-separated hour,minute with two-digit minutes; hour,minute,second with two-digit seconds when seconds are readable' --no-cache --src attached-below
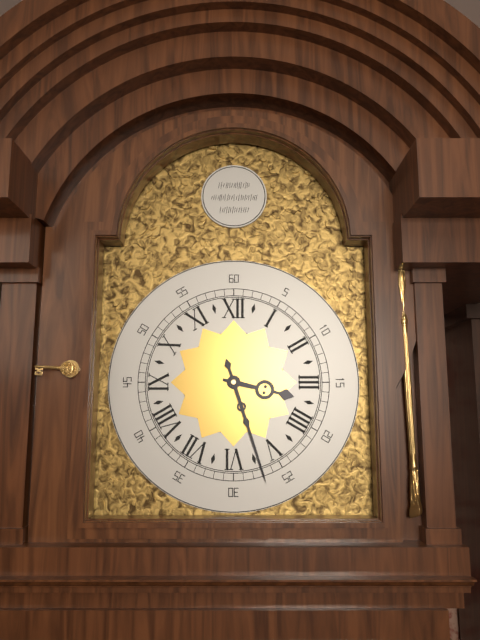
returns 3,27
